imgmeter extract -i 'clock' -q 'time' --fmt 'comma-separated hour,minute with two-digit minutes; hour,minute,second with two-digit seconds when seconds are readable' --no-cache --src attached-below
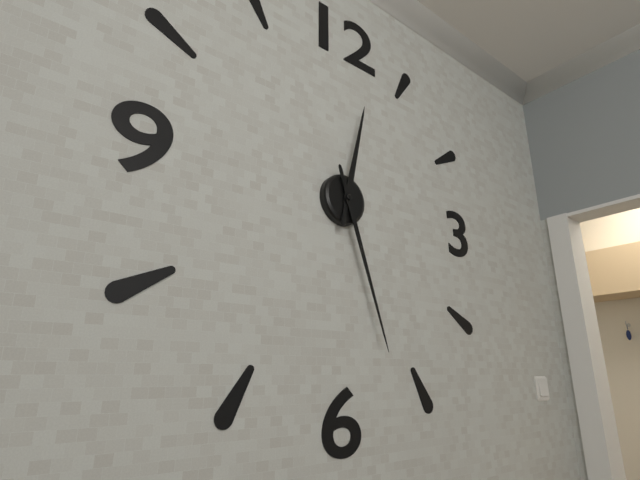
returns 12,27
